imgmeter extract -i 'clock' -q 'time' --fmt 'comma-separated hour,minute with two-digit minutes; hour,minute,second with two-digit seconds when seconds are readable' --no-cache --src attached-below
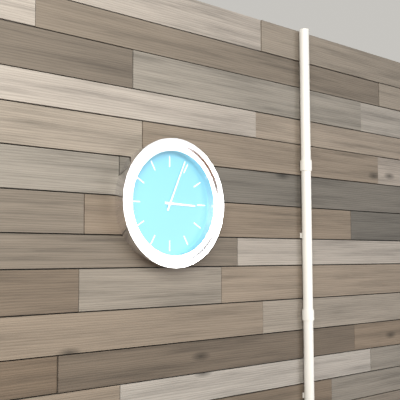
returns 3,04
